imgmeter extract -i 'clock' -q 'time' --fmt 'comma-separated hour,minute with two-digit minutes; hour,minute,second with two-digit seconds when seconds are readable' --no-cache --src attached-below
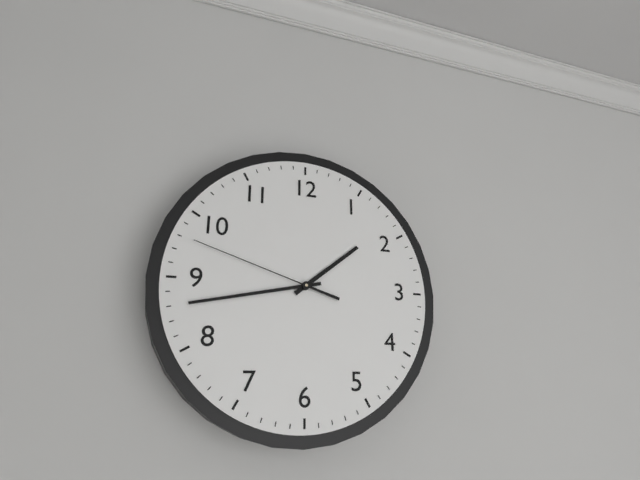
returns 1,43,48
